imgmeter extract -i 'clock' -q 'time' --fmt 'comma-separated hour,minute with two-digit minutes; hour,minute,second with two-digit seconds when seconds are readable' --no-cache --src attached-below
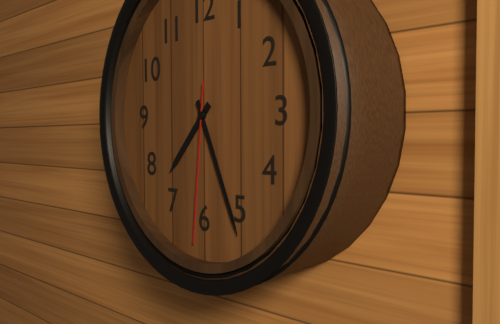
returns 7,26,31
